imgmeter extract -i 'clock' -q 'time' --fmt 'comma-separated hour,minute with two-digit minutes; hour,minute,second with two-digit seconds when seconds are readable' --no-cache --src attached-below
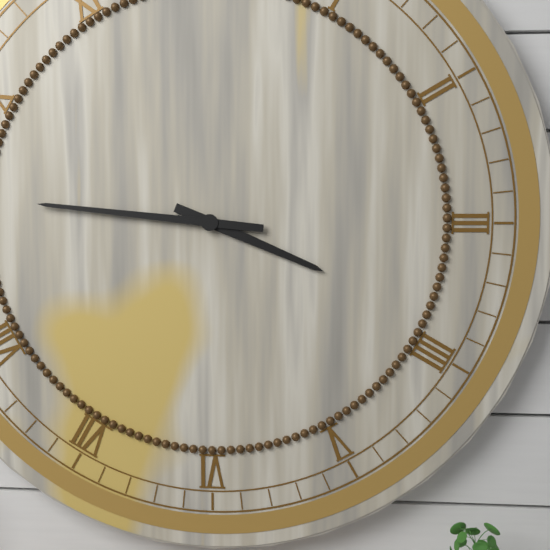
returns 3,46
